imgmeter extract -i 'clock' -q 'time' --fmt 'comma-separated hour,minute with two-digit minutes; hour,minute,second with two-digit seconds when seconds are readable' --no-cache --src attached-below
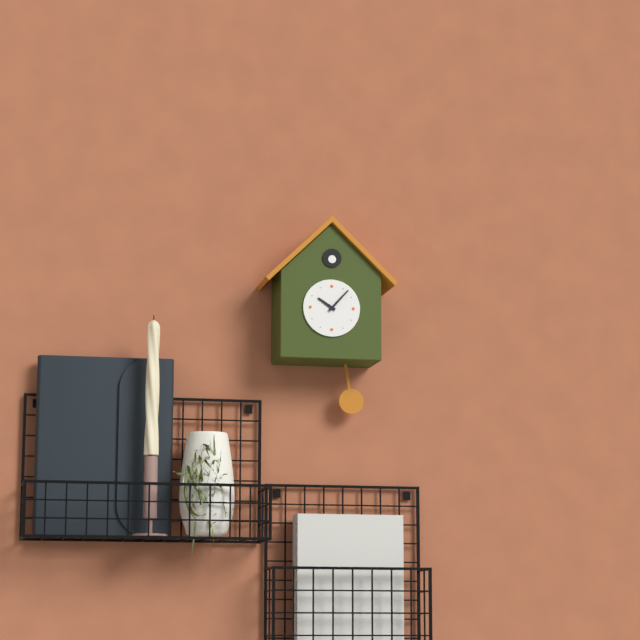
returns 10,07
